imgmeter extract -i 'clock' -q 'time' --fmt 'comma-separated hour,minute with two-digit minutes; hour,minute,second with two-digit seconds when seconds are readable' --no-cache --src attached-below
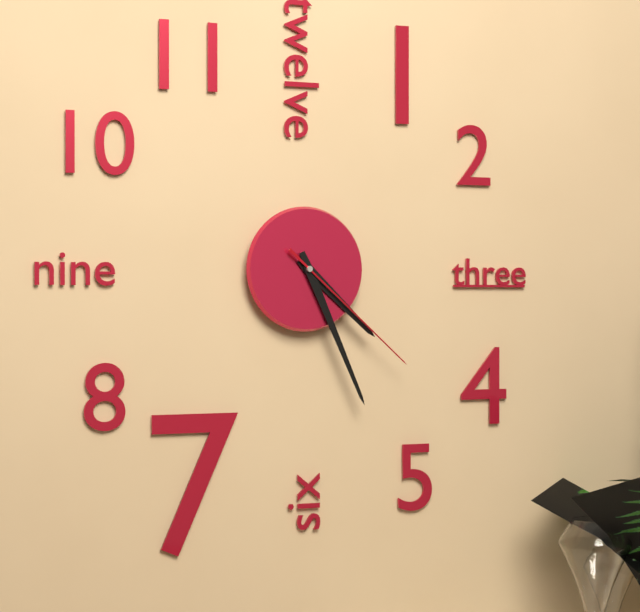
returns 4,26,22
